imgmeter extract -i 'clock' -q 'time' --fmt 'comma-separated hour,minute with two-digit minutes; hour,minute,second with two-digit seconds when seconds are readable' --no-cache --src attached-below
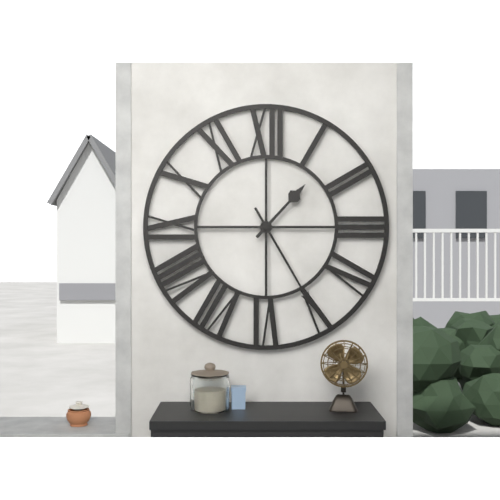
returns 1,25
